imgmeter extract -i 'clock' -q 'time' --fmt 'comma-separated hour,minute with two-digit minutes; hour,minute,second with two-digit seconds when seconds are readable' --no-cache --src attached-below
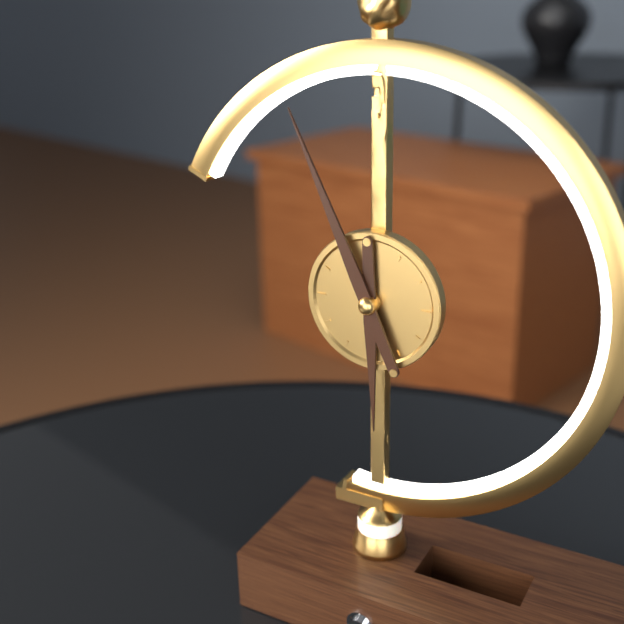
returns 5,56
